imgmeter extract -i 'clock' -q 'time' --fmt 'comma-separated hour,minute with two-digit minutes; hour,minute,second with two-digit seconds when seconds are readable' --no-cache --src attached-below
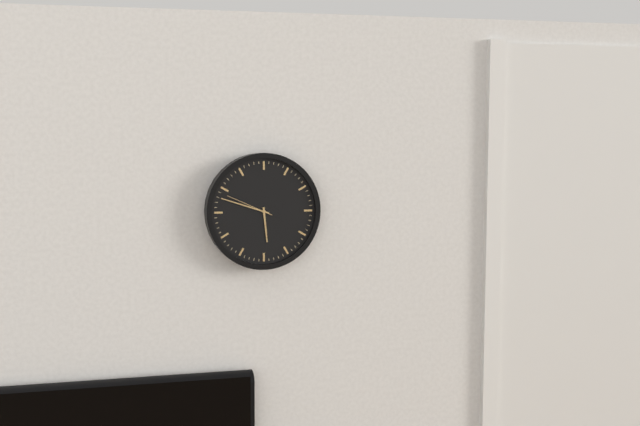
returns 5,48,49
